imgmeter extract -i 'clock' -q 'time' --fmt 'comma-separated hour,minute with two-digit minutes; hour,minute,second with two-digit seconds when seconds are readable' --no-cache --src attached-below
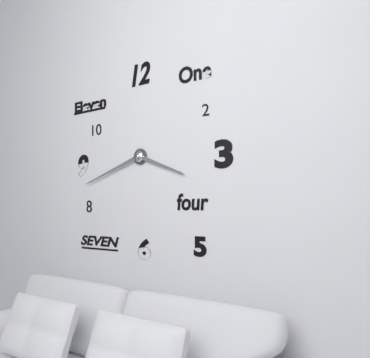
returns 3,42
